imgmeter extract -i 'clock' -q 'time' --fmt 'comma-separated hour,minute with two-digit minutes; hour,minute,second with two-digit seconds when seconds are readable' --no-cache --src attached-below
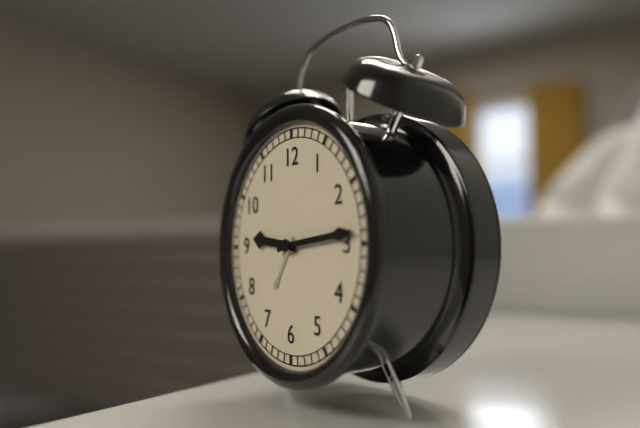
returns 9,14
